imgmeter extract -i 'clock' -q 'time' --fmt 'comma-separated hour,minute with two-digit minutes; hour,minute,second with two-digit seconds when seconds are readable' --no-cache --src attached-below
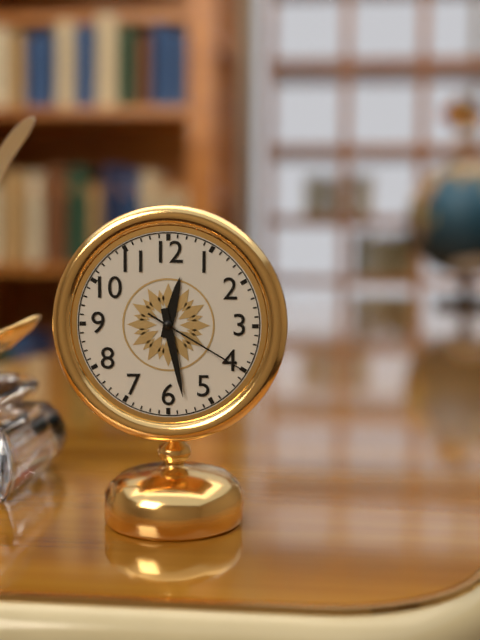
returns 12,28,20
